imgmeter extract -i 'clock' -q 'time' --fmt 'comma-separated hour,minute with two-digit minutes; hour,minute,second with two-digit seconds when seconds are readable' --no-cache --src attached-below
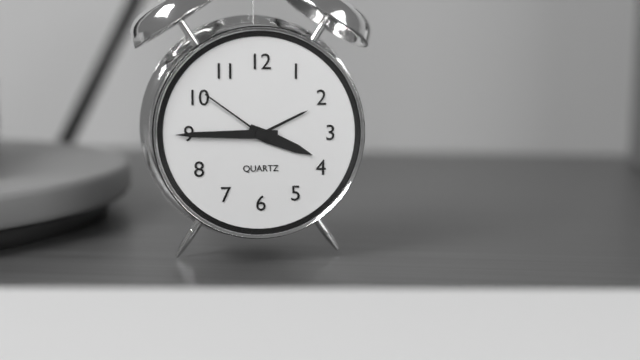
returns 3,45,51
